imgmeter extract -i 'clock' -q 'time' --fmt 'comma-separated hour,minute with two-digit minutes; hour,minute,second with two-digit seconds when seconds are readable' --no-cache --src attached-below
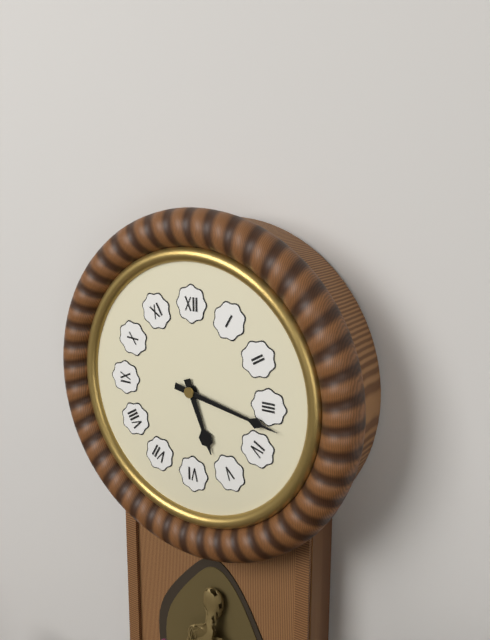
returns 5,17
